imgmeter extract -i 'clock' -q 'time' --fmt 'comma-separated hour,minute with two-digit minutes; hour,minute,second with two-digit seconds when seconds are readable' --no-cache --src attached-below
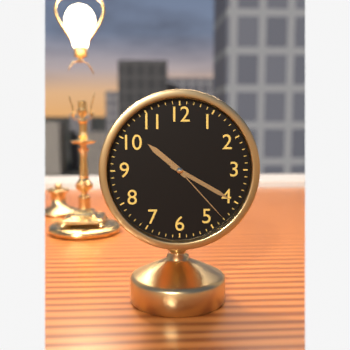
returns 10,20,23
